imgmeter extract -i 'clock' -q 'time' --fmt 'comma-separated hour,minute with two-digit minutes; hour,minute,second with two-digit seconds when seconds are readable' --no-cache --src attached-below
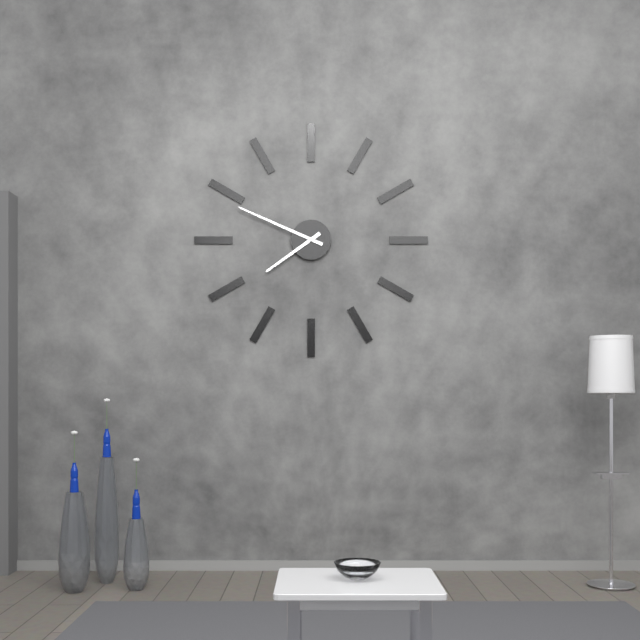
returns 7,49
